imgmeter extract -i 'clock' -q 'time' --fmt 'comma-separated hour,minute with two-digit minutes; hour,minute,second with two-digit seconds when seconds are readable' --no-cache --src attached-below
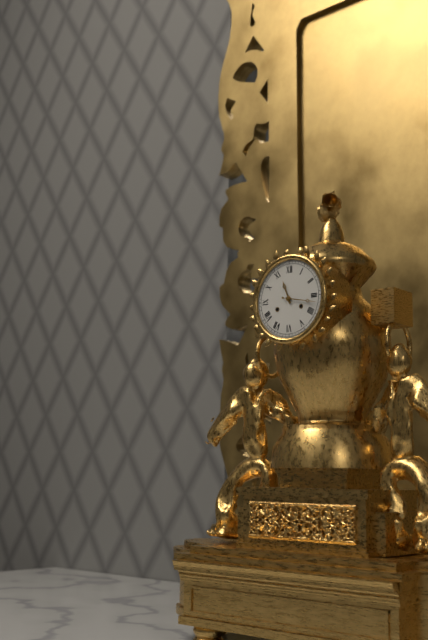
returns 11,17
